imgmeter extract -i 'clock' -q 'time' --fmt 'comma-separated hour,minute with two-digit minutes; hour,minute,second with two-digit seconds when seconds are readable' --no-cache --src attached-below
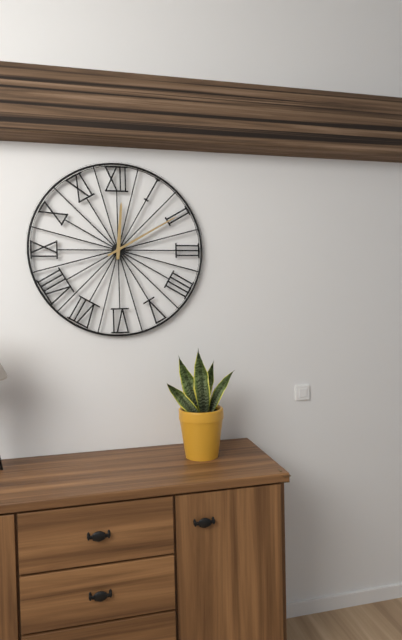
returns 12,10
